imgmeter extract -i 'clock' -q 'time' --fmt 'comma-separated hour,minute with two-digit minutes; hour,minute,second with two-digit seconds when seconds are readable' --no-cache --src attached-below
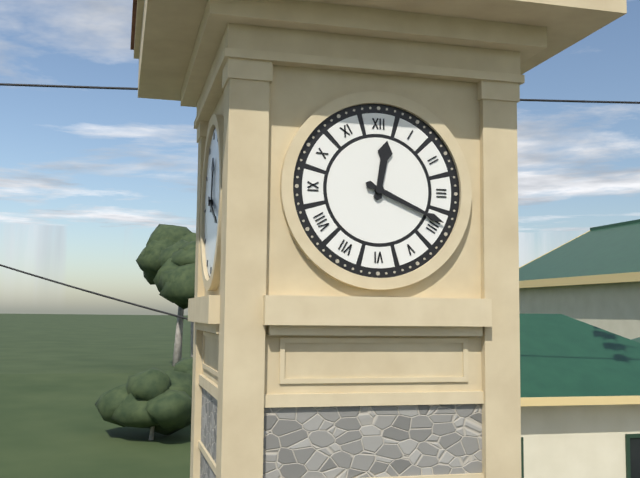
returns 12,19
